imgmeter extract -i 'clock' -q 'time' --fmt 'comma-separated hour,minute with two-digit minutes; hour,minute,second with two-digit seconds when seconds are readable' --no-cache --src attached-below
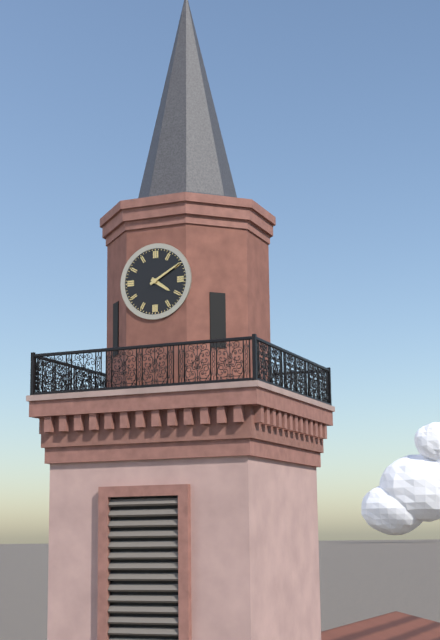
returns 4,10
